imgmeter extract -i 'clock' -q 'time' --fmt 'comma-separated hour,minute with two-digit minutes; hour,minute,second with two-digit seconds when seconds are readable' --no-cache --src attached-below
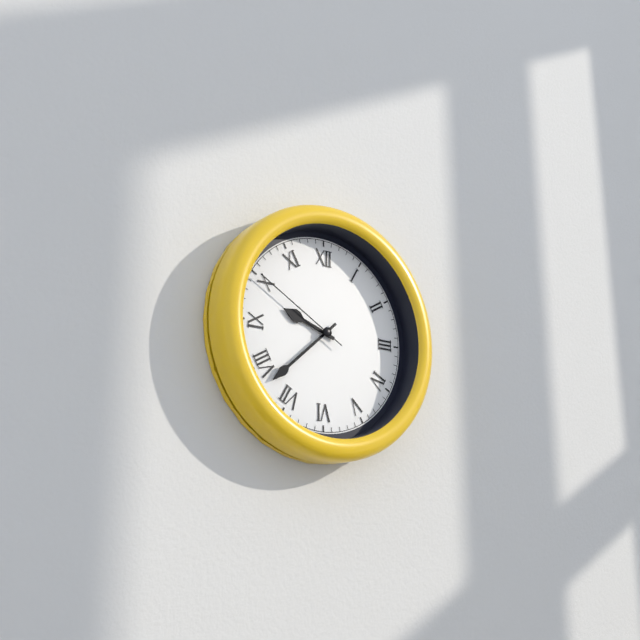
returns 9,38,50
